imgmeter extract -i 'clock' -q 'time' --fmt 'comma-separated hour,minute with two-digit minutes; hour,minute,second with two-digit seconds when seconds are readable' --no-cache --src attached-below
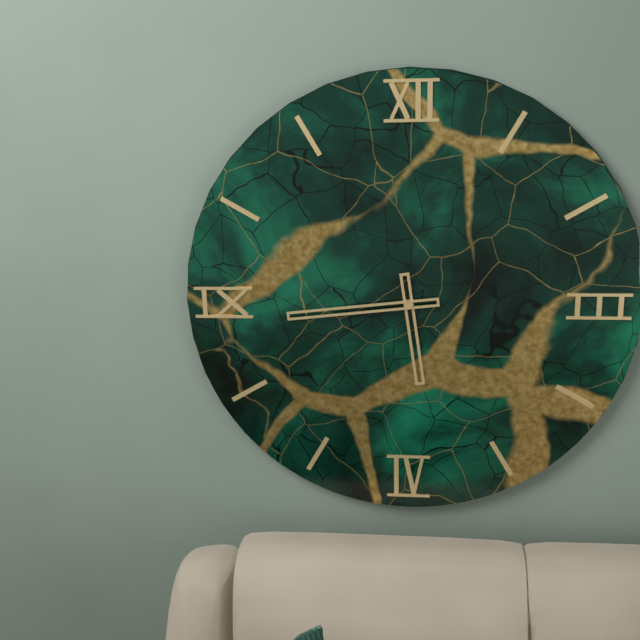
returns 5,44
